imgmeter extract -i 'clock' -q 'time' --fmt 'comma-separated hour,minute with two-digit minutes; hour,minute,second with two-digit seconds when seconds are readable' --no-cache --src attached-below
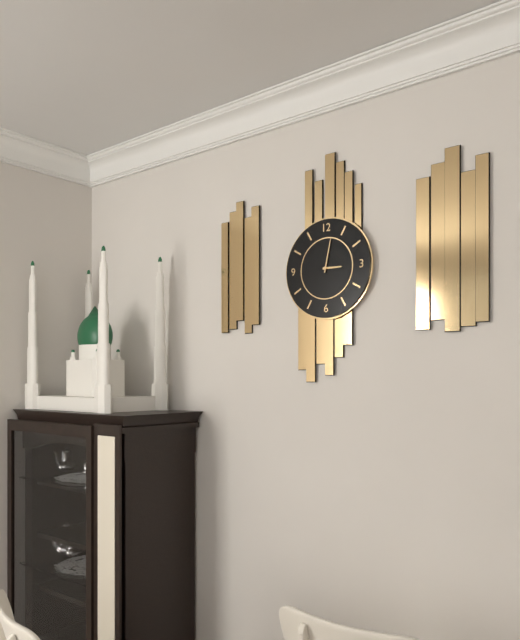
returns 3,02
